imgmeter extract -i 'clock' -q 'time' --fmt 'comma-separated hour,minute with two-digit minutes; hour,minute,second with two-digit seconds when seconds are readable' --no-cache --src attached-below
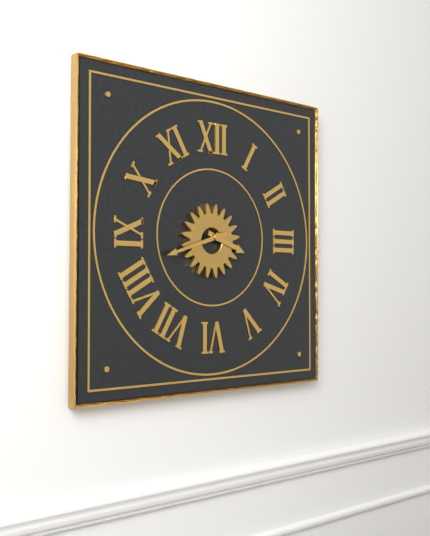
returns 3,42
